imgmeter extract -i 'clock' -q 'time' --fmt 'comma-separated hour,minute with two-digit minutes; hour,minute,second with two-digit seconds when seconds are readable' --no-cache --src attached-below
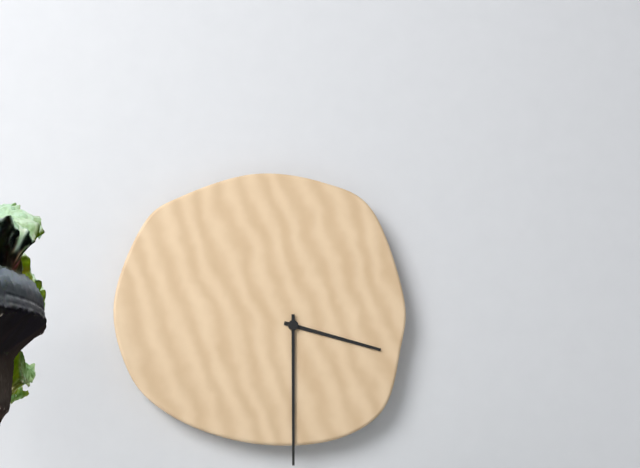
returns 3,30
